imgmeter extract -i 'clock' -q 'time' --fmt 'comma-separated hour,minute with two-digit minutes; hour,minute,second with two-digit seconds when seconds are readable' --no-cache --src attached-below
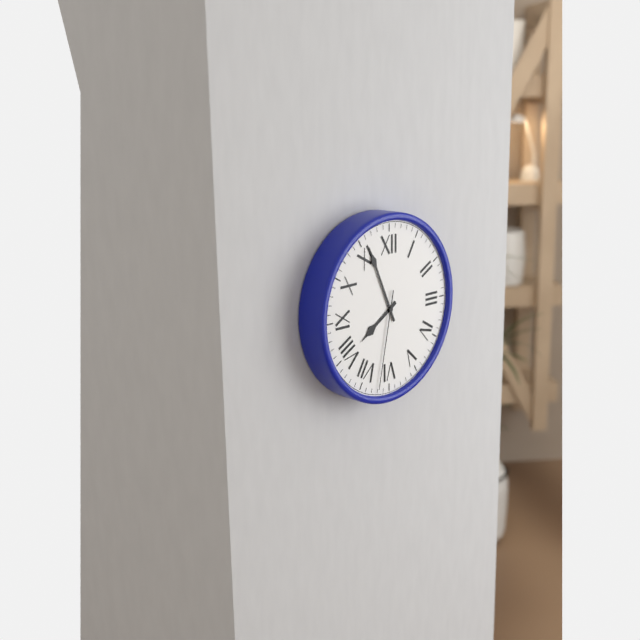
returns 7,56,32
